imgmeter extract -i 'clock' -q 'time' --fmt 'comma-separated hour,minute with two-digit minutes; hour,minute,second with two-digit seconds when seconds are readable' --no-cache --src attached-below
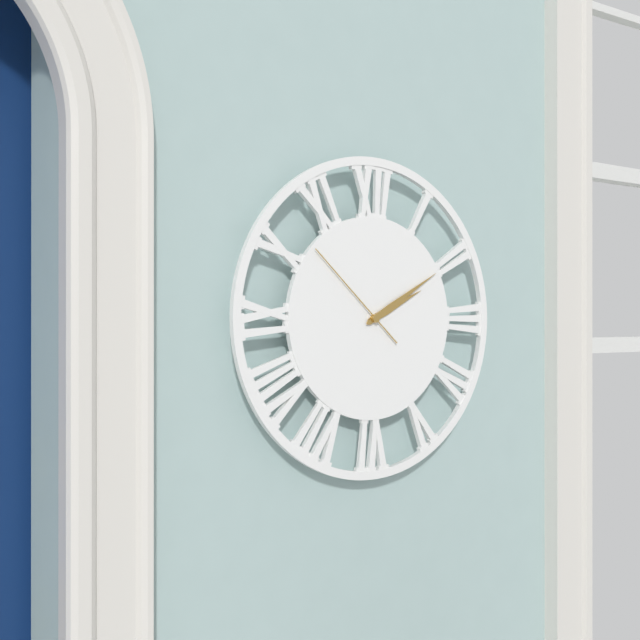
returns 2,10,52
